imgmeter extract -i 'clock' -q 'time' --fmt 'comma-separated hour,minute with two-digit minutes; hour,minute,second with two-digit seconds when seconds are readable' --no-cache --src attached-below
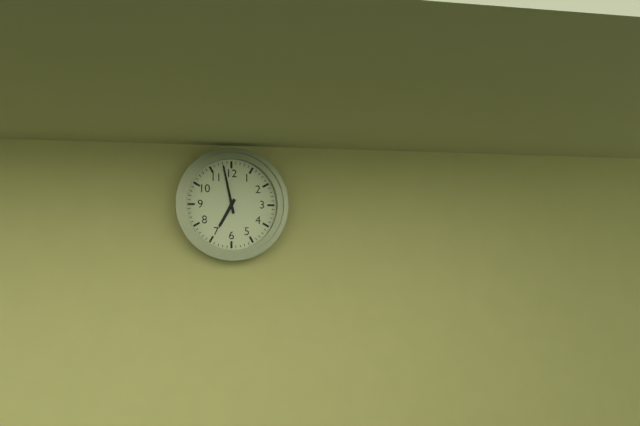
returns 6,58
